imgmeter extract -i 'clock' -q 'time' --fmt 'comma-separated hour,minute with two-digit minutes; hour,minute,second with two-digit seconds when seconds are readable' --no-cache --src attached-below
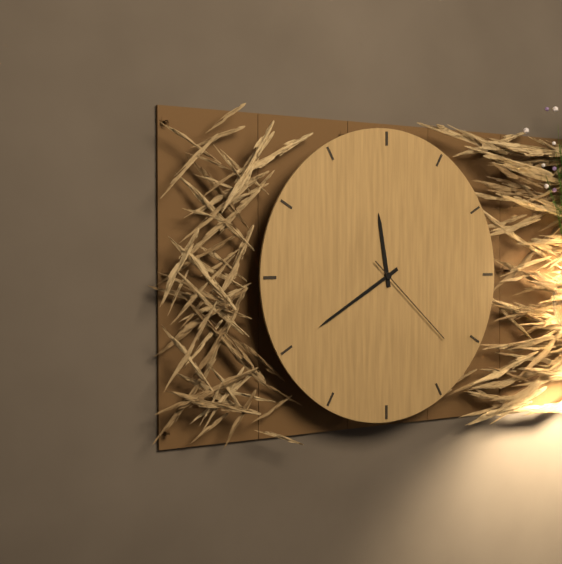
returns 11,40,22
